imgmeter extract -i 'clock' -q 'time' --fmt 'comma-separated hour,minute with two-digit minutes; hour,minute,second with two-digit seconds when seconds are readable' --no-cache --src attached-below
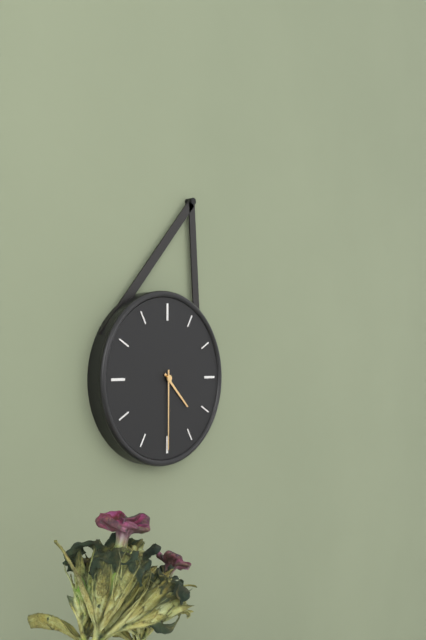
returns 4,30
